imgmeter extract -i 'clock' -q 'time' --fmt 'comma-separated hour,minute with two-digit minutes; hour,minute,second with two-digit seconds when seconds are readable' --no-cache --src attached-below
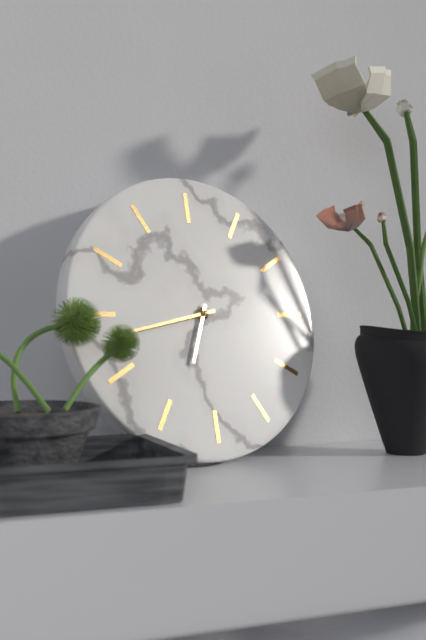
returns 6,43
